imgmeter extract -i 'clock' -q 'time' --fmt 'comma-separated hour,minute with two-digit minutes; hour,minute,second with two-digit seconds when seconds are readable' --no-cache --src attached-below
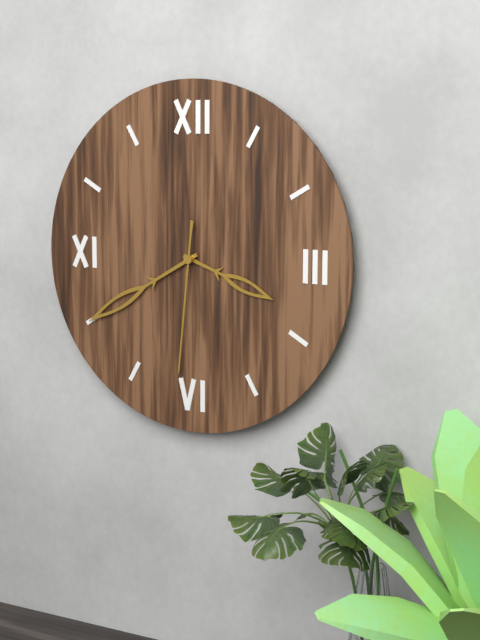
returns 3,40,31
